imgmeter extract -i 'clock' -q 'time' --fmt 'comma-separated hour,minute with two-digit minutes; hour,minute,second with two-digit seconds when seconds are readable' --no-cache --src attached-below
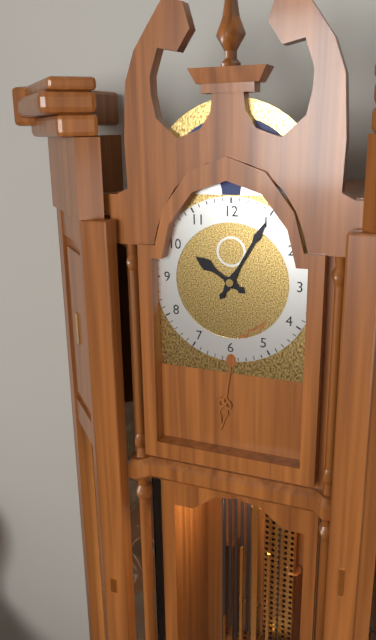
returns 10,05
